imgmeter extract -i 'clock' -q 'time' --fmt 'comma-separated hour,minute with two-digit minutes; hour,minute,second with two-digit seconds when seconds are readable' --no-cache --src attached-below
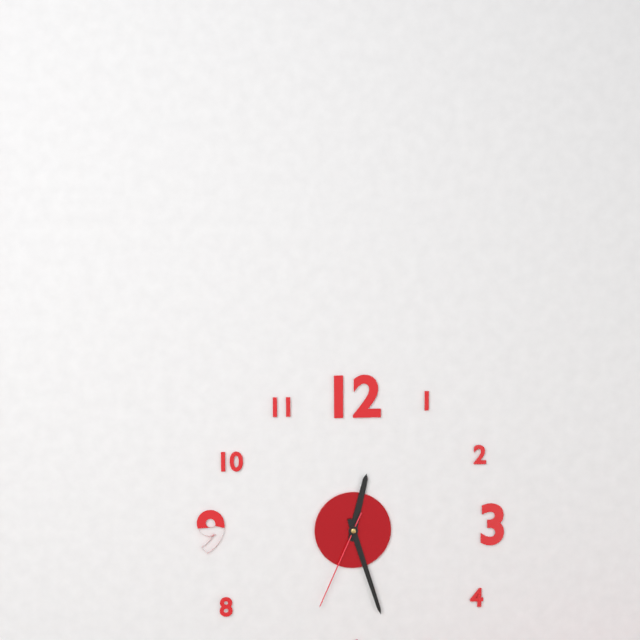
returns 12,27,34
